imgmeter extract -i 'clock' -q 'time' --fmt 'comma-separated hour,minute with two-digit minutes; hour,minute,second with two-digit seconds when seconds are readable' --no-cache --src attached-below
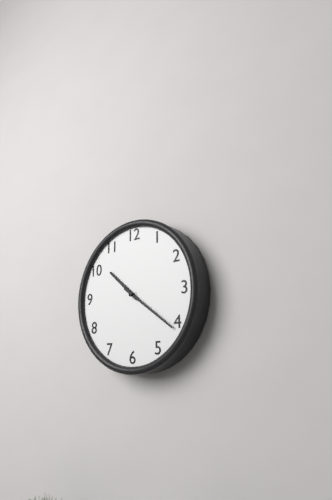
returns 10,21
